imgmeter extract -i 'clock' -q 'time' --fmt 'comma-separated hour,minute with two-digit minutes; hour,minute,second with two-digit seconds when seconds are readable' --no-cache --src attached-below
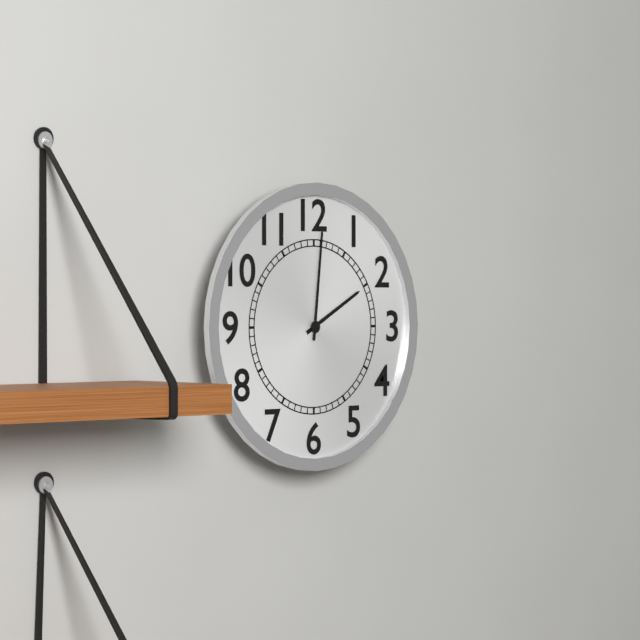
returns 2,01
